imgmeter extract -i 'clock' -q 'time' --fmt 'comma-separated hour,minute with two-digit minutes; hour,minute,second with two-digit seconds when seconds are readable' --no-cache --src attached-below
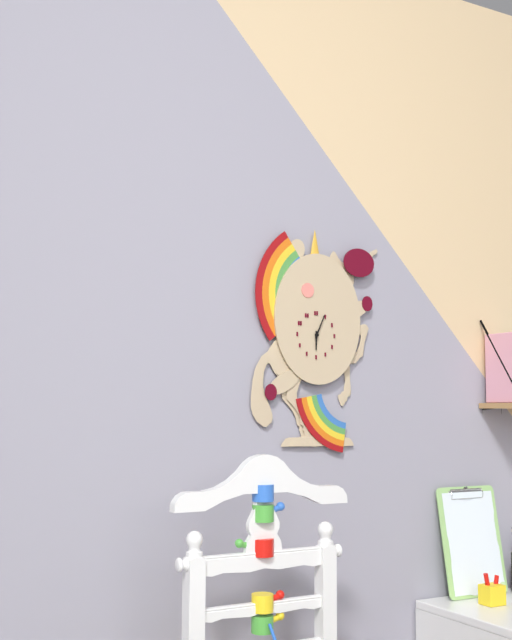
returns 6,04
